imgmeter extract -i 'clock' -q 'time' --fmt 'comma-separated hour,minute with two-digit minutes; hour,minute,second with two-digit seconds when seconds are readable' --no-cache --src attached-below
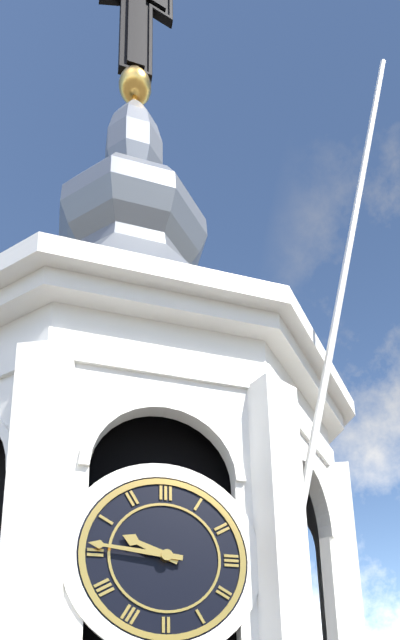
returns 9,46
